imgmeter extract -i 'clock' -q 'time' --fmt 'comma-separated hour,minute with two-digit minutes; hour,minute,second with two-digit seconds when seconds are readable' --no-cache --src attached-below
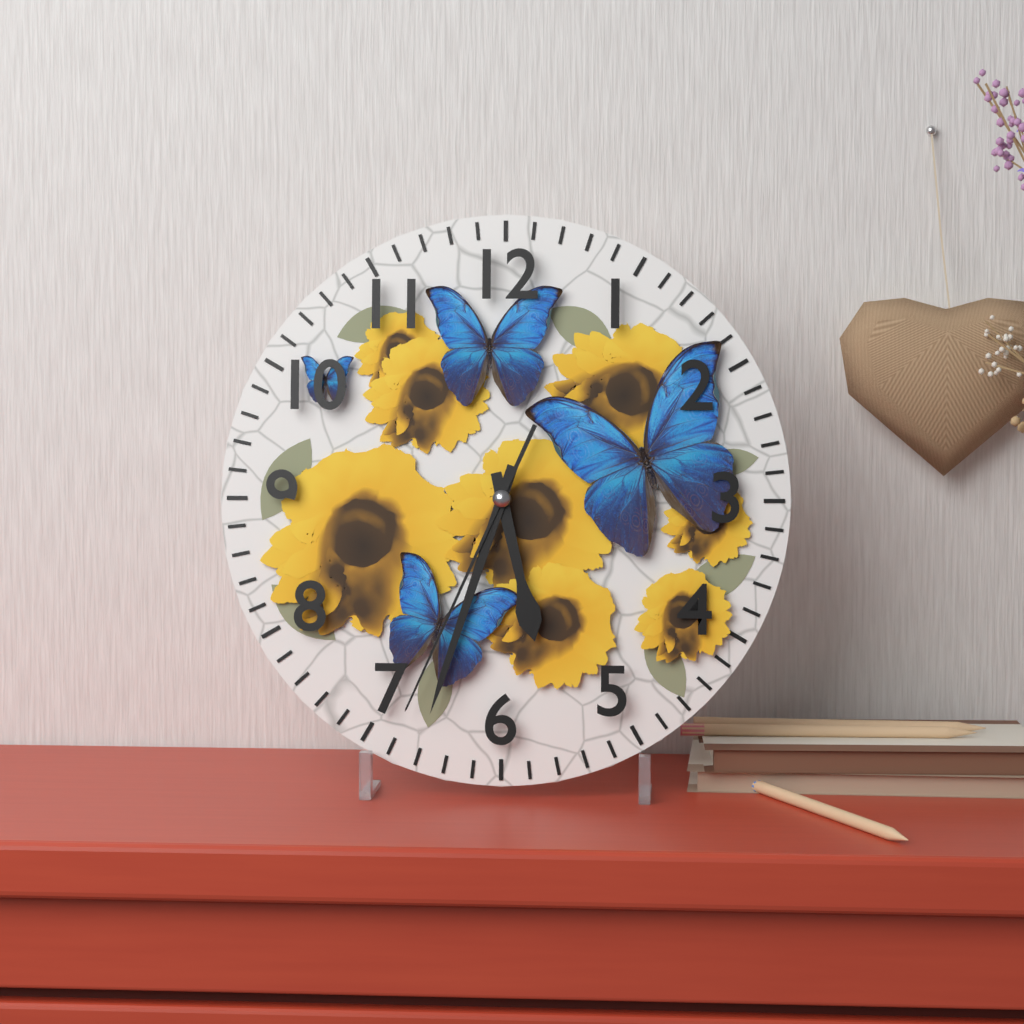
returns 5,33,34
